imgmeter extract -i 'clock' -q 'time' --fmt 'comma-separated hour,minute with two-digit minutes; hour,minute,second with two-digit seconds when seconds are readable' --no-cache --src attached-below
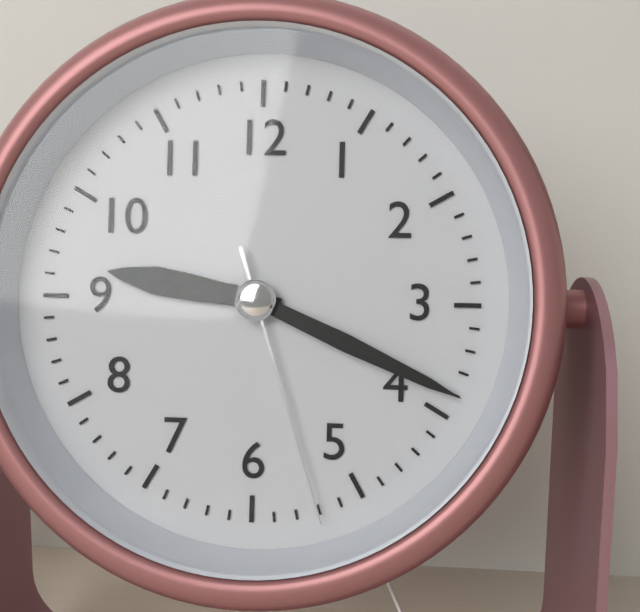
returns 9,19,27
